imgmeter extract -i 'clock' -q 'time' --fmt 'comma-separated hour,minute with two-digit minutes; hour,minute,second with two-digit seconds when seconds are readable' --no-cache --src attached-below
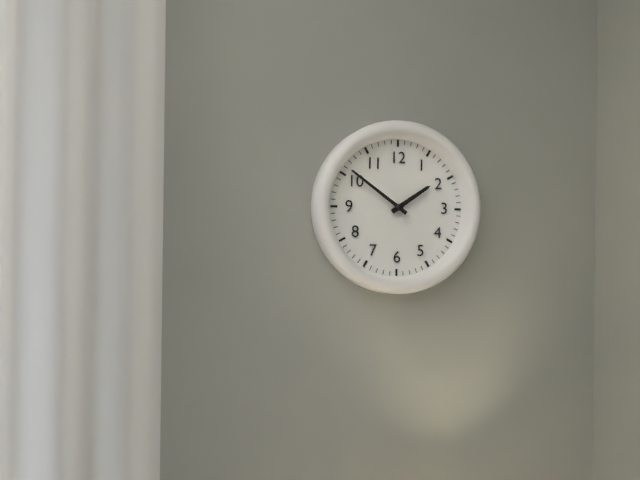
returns 1,51
